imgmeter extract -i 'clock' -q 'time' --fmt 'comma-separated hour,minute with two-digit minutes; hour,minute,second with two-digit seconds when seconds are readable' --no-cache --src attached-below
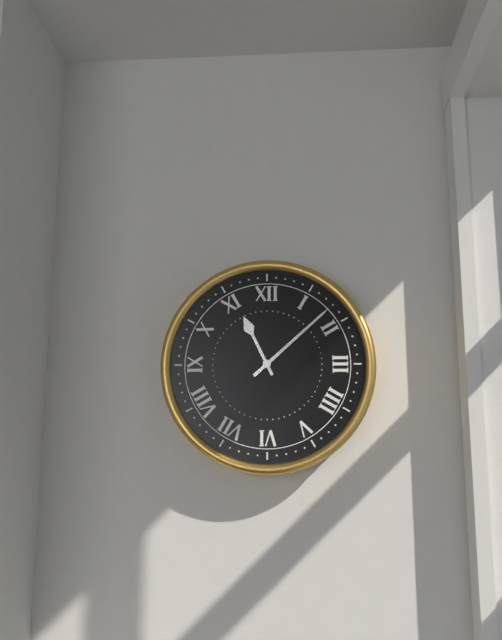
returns 11,08
